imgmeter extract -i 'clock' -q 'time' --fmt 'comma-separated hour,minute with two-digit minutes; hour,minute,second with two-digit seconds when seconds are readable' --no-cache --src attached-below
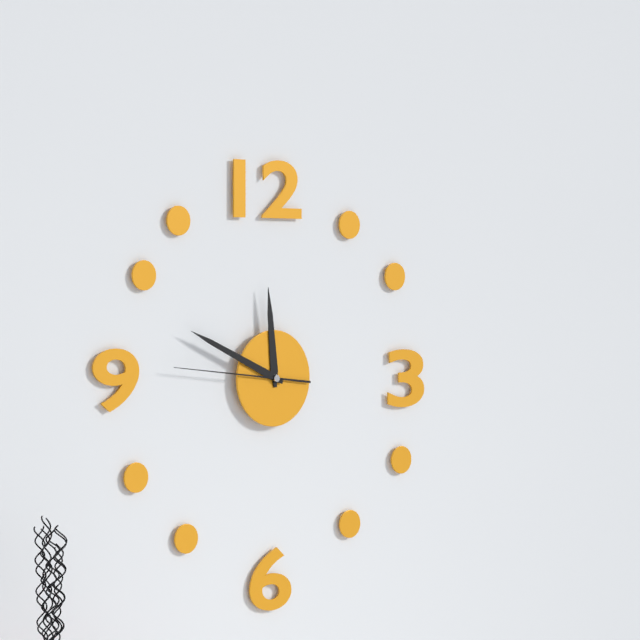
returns 11,49,46
